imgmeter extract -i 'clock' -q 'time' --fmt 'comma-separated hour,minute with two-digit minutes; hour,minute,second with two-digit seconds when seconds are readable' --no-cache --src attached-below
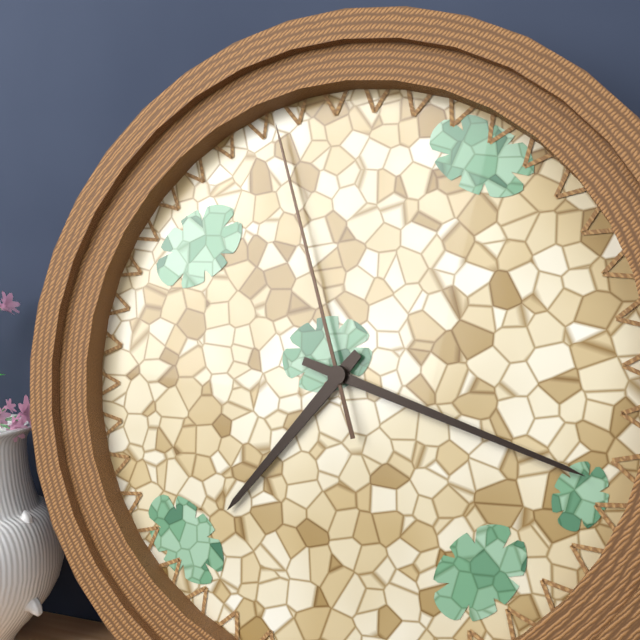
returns 7,18,57
